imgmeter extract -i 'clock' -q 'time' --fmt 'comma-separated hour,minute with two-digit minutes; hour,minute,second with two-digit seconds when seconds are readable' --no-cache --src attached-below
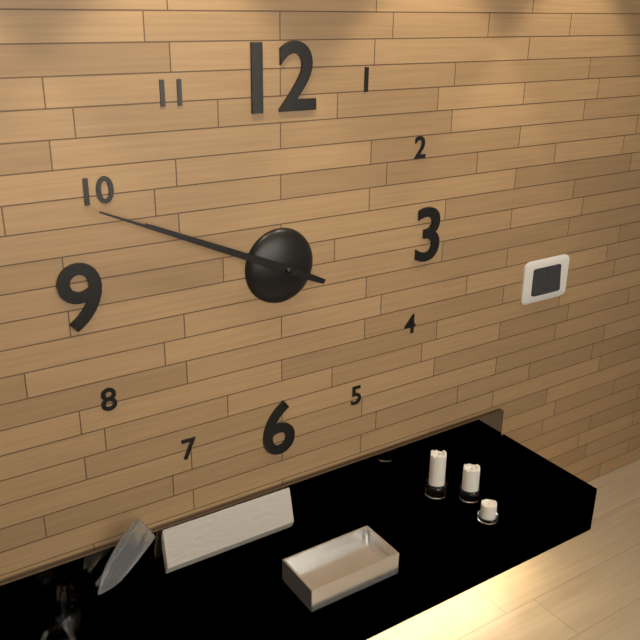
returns 9,49
